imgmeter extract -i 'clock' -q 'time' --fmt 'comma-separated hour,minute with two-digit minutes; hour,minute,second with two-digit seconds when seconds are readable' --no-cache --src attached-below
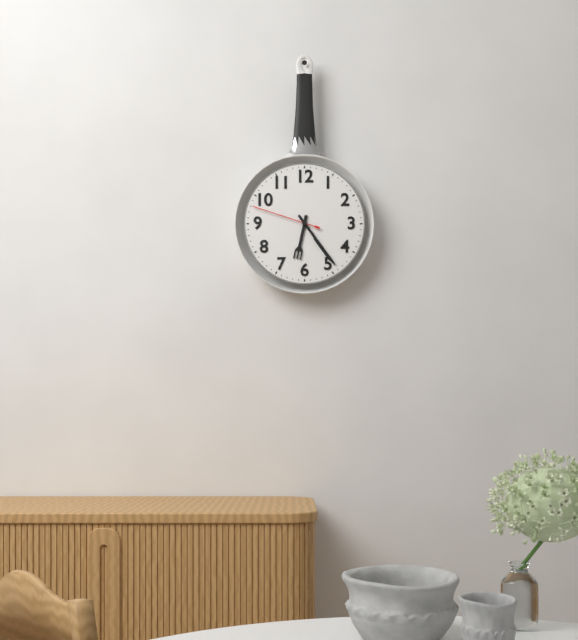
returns 6,24,48
